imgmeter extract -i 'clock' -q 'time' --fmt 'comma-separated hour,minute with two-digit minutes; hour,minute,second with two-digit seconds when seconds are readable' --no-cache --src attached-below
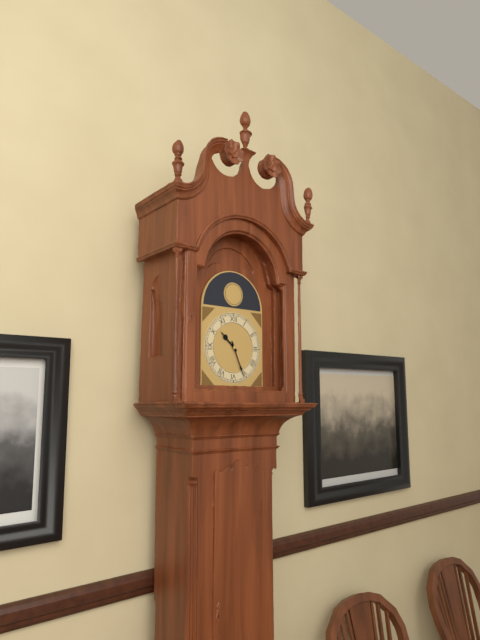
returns 10,26
